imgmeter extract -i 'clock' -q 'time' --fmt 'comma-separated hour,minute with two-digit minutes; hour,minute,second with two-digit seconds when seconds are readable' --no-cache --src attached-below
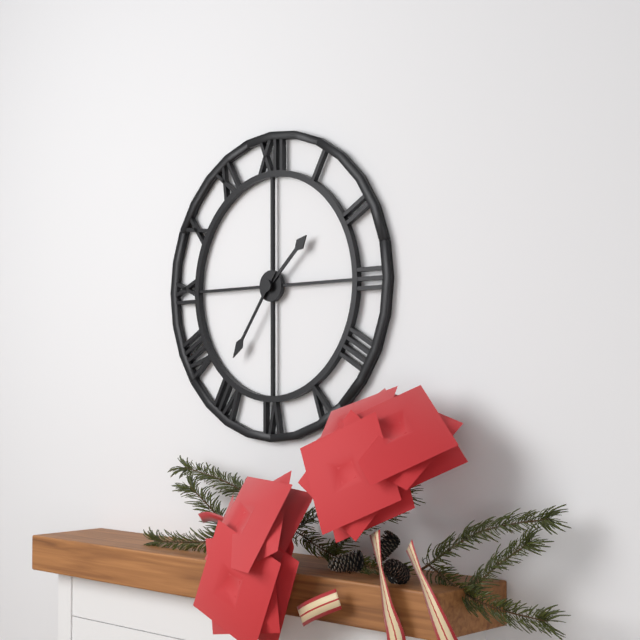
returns 1,36
